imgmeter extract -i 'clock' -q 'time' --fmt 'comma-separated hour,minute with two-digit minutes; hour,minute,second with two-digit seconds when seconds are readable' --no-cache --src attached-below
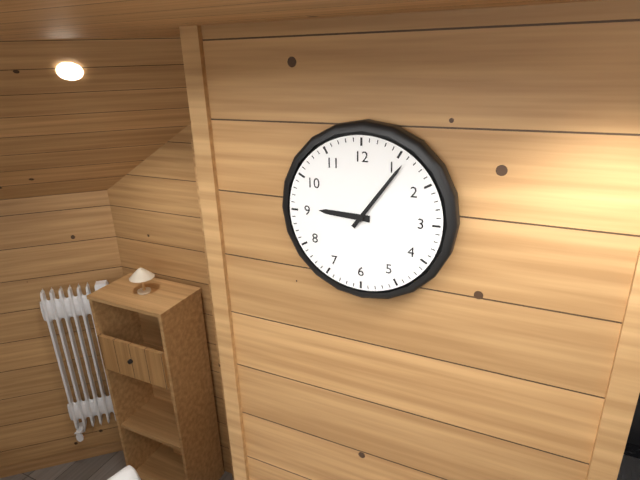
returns 9,06
